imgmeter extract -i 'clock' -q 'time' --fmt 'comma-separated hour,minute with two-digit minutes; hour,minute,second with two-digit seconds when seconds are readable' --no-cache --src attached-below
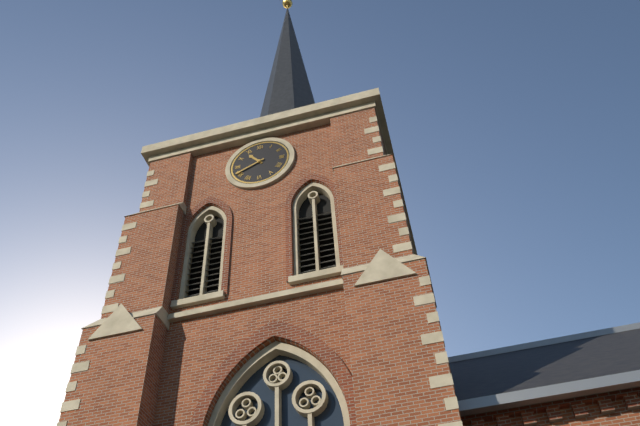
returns 10,41
